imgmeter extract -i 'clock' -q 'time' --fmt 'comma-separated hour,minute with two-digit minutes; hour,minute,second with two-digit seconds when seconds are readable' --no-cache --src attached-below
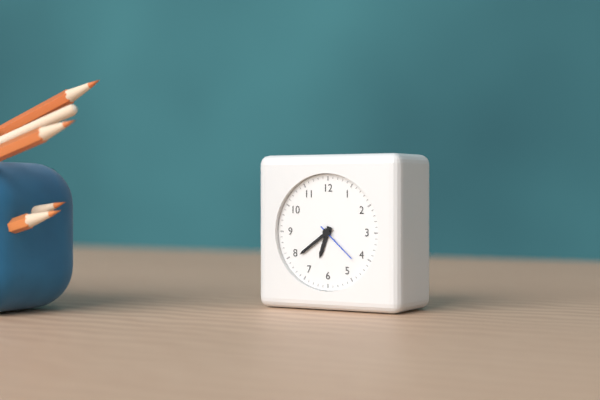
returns 6,39
